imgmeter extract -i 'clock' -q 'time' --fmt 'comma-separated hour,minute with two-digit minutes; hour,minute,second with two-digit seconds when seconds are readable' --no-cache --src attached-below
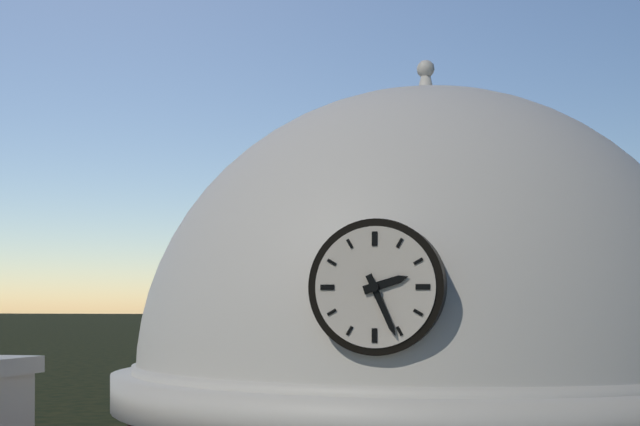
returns 2,26
